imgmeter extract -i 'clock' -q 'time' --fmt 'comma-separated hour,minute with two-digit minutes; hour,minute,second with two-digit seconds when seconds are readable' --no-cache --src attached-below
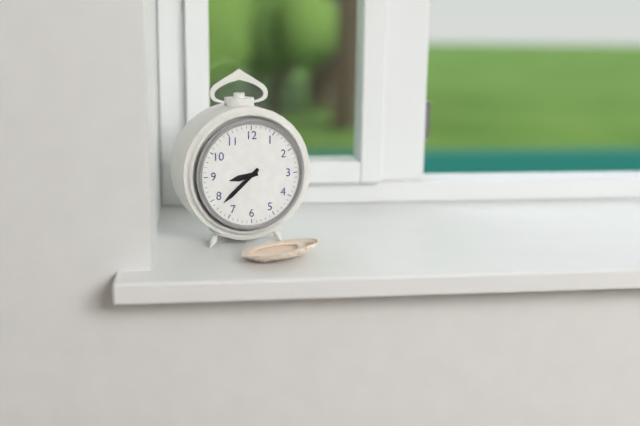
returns 8,38
